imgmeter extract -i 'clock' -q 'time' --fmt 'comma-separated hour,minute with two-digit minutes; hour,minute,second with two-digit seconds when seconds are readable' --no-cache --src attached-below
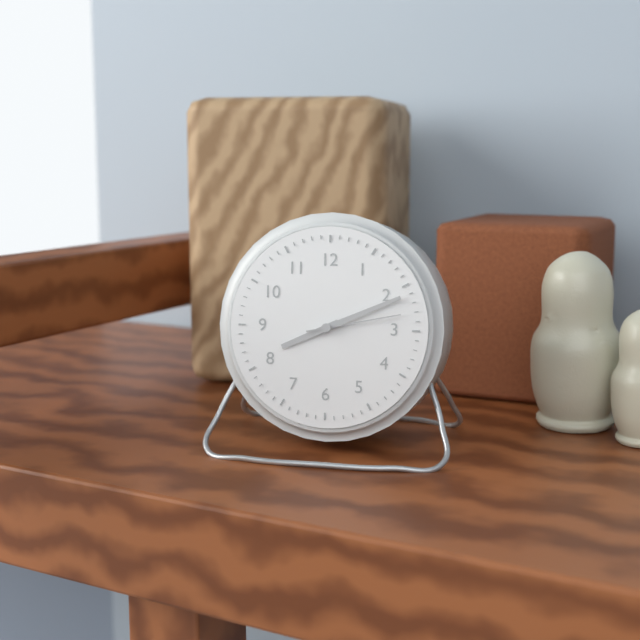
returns 8,11,13
